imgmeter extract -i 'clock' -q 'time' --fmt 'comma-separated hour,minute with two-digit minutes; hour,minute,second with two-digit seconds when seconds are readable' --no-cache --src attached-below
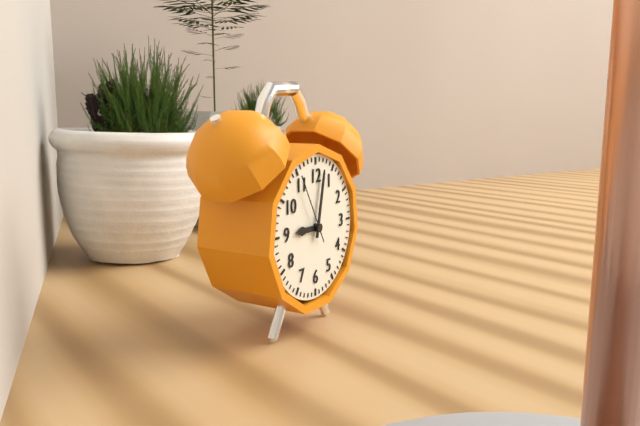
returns 9,02,55
